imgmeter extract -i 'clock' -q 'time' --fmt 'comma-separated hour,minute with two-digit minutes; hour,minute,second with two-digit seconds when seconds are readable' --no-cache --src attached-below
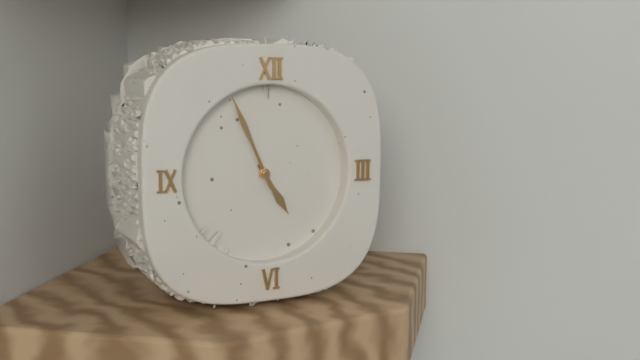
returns 4,56
